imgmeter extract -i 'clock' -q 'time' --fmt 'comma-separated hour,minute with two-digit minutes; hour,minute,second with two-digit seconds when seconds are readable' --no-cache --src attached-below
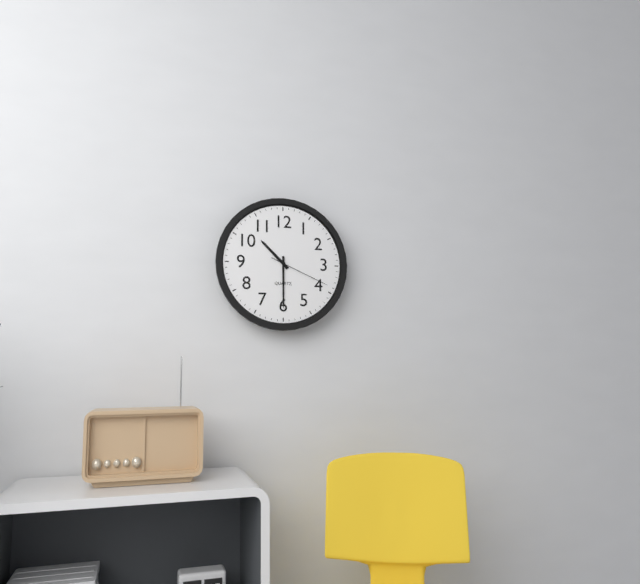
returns 10,30,19
